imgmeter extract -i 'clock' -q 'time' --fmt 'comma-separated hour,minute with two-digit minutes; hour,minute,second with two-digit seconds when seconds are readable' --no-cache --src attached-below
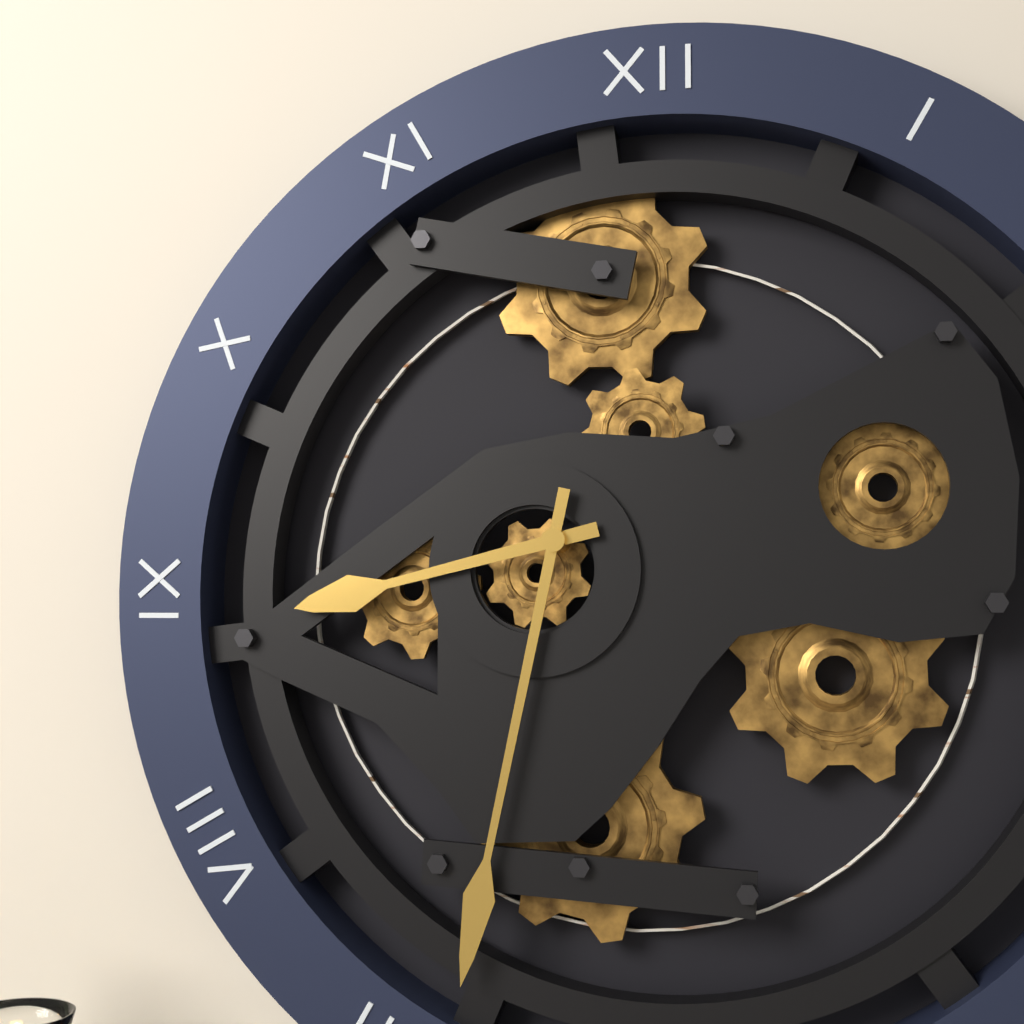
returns 8,32
